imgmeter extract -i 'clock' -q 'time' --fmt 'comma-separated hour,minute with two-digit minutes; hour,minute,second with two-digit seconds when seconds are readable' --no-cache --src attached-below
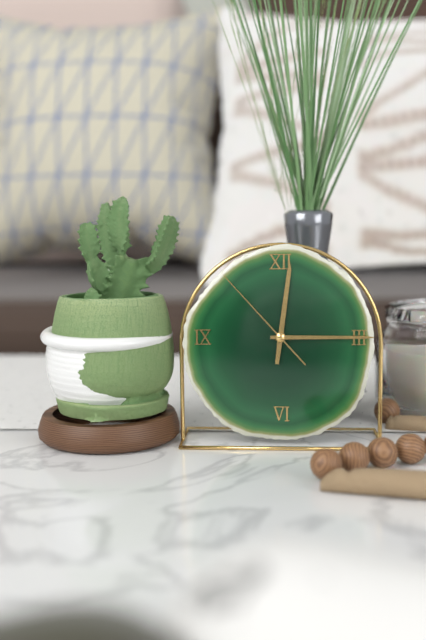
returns 12,15,53
